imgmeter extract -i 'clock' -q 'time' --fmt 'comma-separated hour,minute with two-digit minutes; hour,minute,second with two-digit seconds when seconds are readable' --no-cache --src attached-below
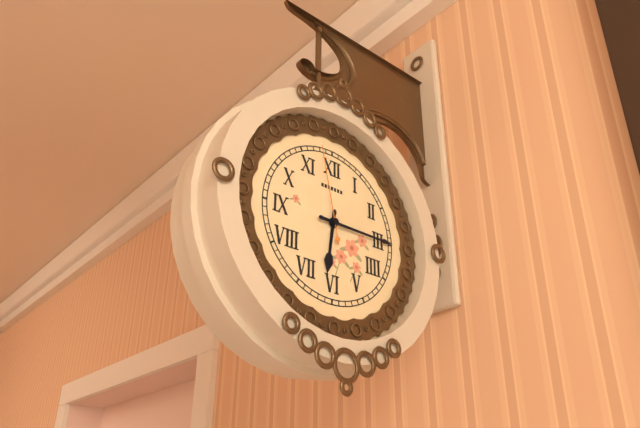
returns 6,15,58
